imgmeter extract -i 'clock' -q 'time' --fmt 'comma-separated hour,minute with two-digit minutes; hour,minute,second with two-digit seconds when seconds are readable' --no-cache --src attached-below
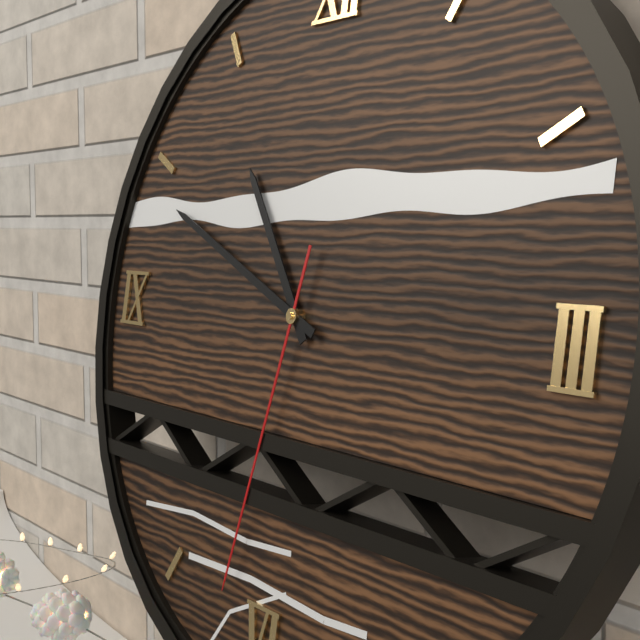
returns 10,49,32
